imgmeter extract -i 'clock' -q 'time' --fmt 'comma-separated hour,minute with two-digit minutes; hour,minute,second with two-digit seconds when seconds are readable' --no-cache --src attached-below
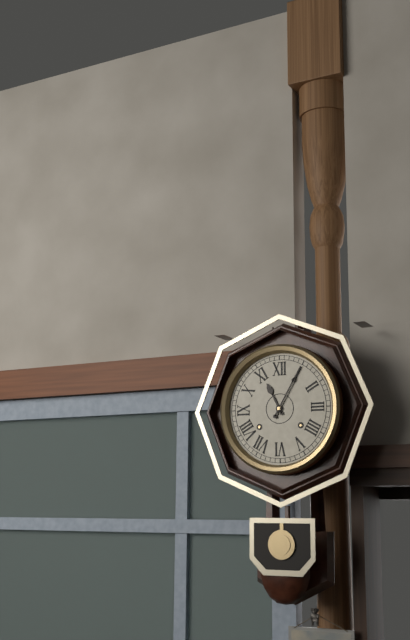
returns 11,05
